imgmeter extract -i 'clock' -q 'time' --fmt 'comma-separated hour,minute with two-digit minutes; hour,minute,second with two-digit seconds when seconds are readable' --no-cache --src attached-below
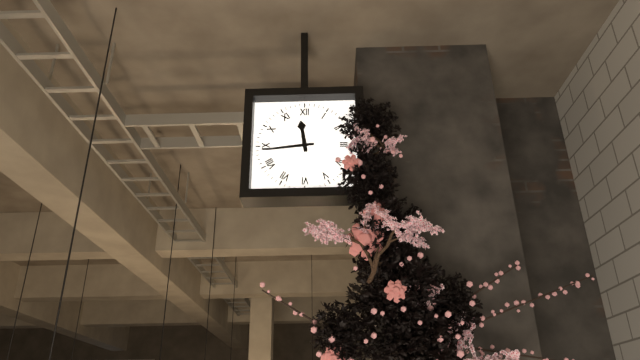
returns 11,44
